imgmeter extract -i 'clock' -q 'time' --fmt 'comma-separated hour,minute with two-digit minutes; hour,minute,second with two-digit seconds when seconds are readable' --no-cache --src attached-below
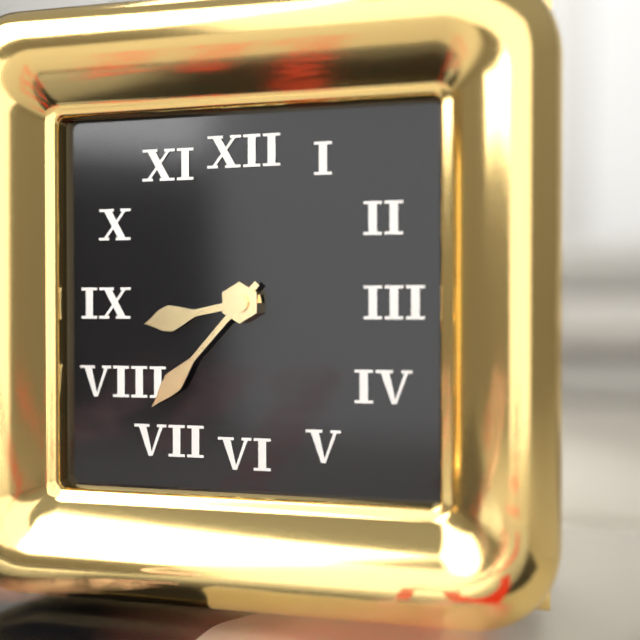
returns 8,37
